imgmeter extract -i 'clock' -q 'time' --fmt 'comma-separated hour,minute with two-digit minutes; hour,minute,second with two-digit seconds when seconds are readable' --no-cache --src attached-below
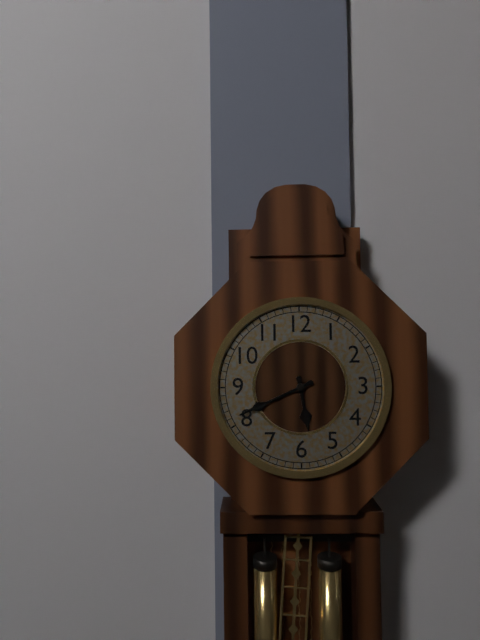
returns 5,41
